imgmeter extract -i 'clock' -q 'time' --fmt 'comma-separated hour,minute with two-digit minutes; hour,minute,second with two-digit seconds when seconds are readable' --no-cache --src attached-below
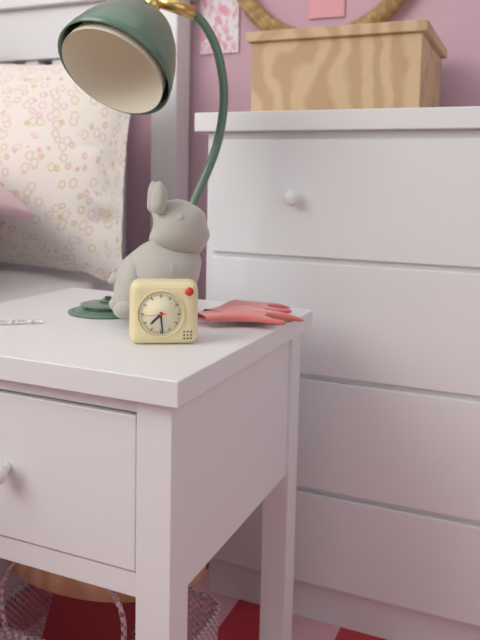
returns 7,29
